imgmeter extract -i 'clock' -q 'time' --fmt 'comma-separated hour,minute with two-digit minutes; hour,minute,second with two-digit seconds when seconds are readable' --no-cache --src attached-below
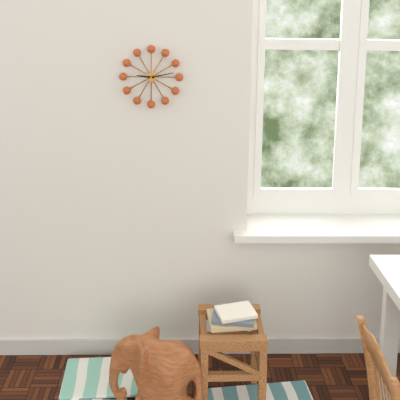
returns 9,13
